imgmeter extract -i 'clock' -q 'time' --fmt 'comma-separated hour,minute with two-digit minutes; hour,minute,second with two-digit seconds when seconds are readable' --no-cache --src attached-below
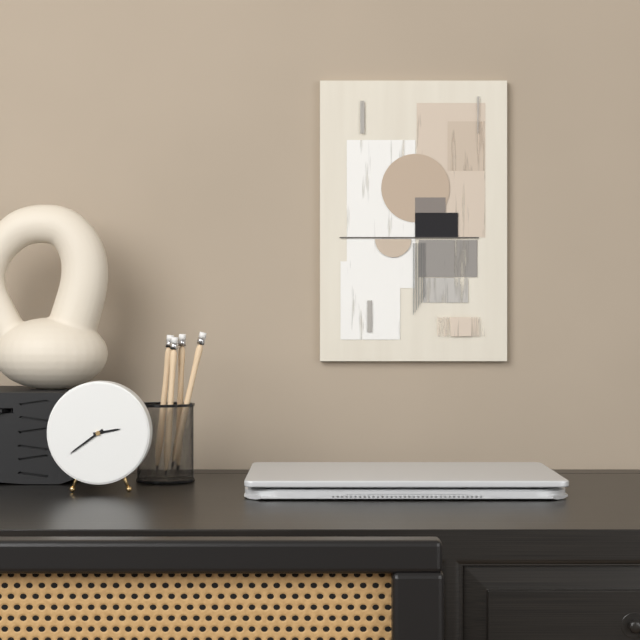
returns 2,39
